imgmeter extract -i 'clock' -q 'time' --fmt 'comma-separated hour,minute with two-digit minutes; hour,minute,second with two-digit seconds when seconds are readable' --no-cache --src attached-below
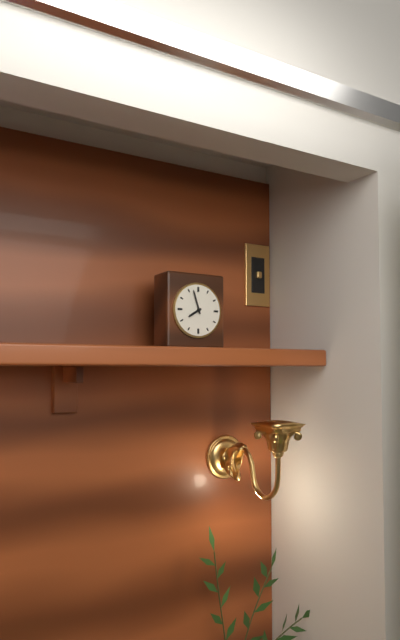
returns 7,57
